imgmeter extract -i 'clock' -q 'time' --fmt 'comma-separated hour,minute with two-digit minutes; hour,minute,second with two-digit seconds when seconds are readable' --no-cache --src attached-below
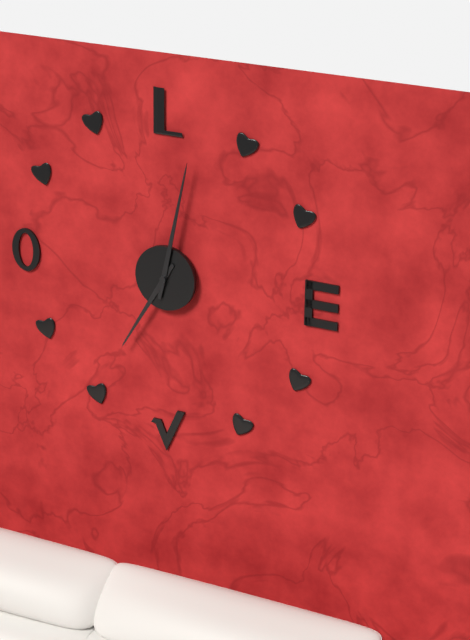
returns 7,02
